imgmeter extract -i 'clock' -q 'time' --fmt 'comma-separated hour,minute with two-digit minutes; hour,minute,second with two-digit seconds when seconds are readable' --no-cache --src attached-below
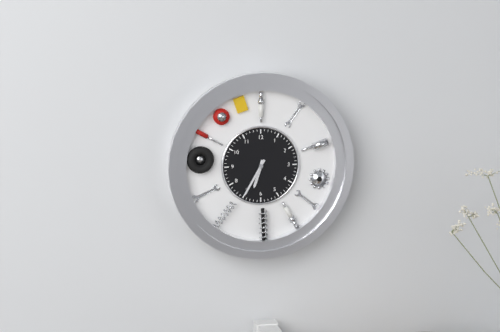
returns 6,35
